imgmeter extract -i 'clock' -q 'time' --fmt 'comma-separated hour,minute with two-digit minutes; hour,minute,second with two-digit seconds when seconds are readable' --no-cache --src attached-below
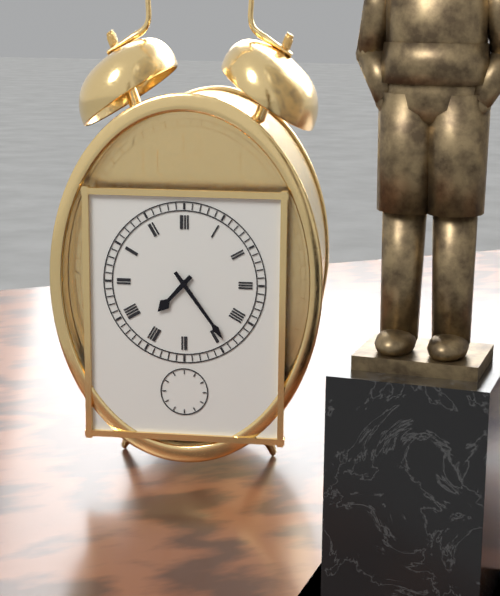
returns 7,24
